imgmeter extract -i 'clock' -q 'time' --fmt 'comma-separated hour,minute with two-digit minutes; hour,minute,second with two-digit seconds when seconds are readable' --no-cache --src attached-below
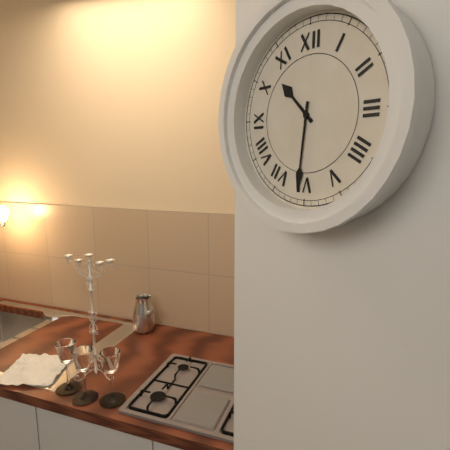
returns 10,31
